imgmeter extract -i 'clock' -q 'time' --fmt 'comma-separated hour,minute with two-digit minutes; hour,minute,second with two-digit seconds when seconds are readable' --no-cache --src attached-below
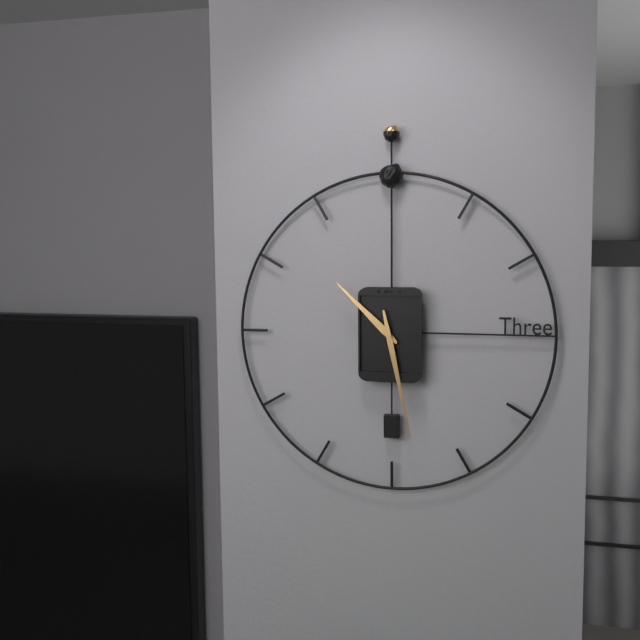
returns 10,28
